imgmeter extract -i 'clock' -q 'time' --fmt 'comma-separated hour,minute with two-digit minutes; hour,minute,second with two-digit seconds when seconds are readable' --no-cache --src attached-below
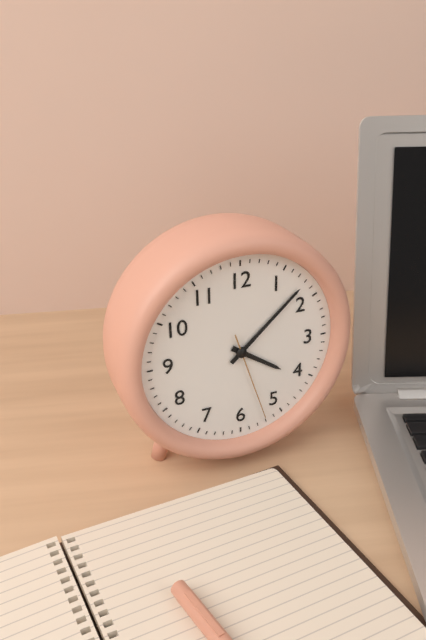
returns 4,08,27
